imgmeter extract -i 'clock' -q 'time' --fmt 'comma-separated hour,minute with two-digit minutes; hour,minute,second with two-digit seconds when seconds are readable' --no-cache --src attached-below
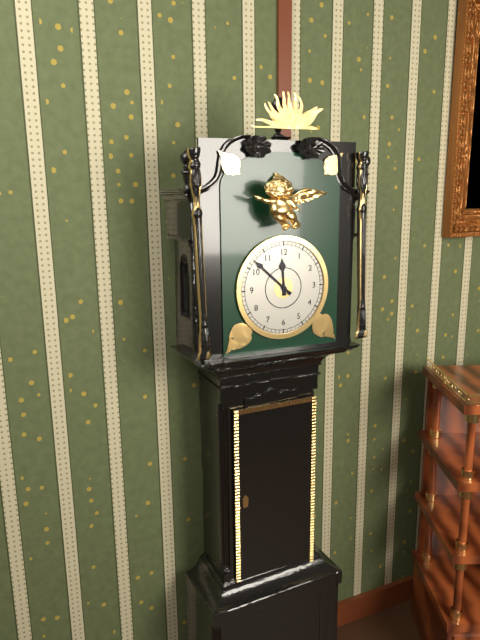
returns 11,52
